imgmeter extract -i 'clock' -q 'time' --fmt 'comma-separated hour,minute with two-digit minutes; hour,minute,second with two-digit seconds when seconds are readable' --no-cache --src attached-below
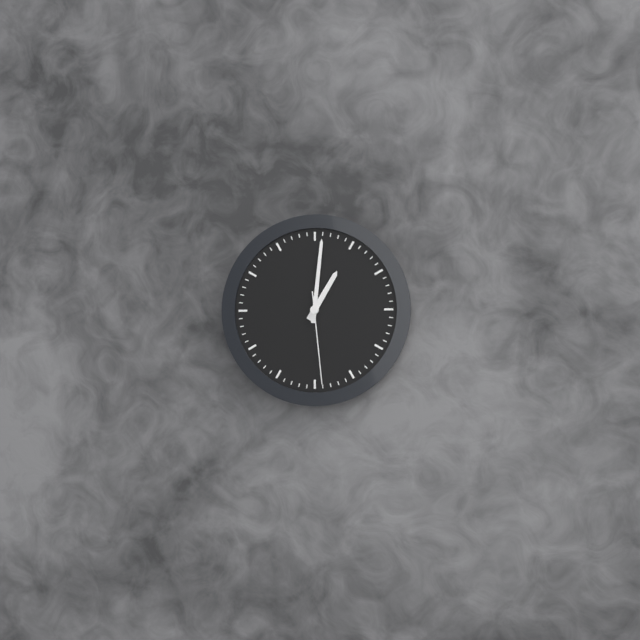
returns 1,01,29
